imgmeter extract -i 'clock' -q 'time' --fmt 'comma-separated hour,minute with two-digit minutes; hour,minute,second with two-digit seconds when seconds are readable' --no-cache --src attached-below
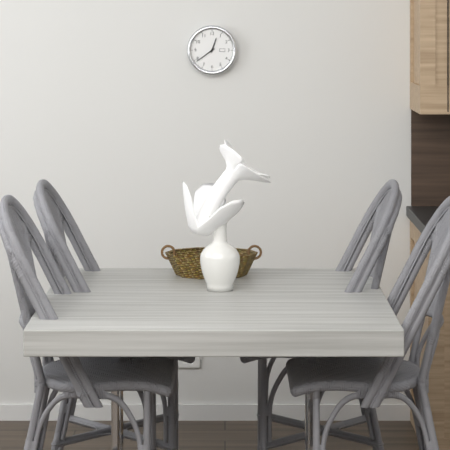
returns 12,39
